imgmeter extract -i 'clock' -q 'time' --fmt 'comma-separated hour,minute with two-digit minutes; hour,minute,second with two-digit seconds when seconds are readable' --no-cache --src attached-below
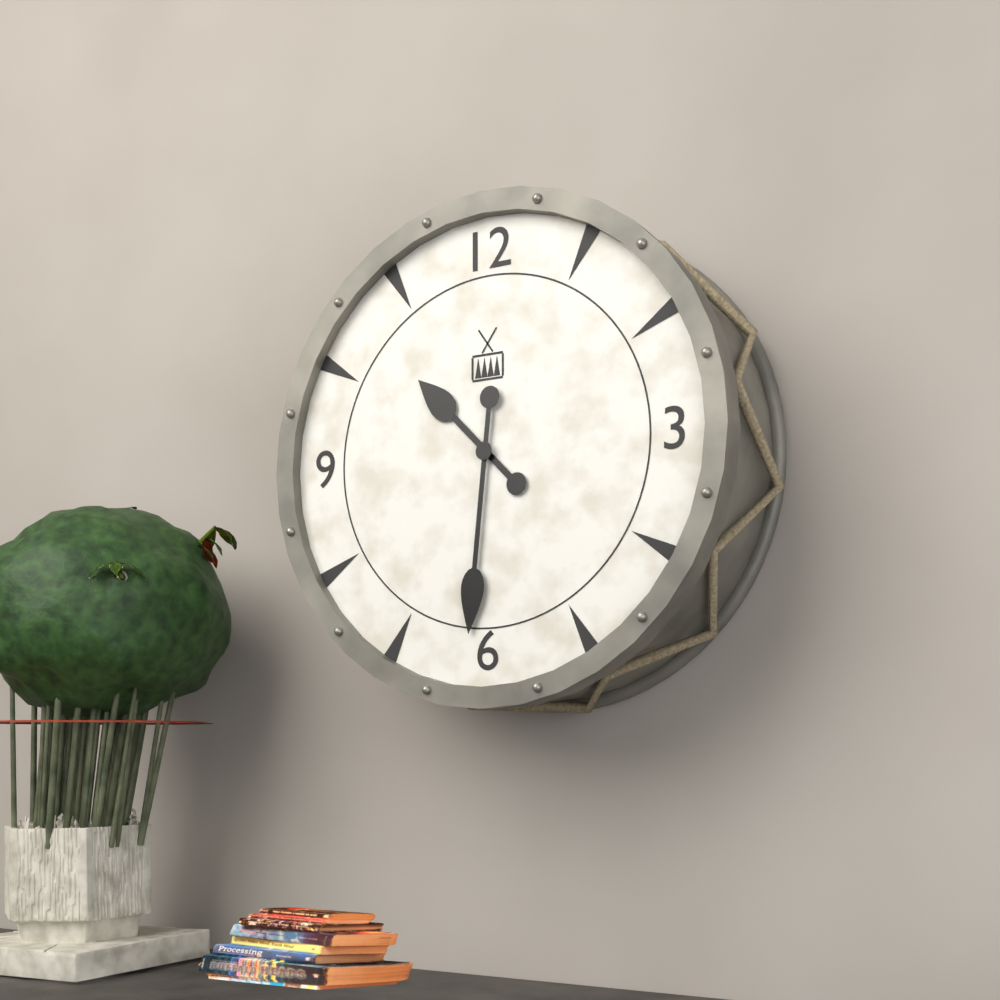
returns 10,31
